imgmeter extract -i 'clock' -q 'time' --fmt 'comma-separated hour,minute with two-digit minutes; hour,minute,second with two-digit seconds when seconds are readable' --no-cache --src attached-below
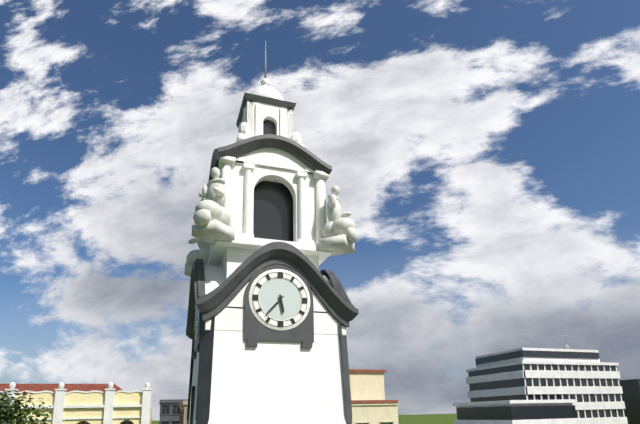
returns 5,37
